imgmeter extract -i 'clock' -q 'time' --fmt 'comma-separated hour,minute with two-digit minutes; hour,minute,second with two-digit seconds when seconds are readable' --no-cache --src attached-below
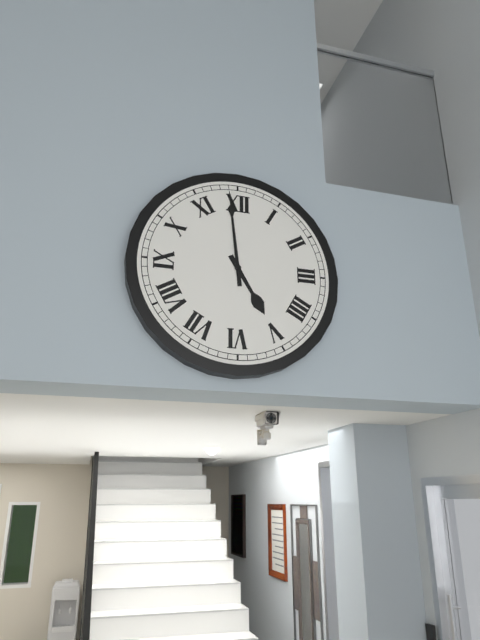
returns 4,59
